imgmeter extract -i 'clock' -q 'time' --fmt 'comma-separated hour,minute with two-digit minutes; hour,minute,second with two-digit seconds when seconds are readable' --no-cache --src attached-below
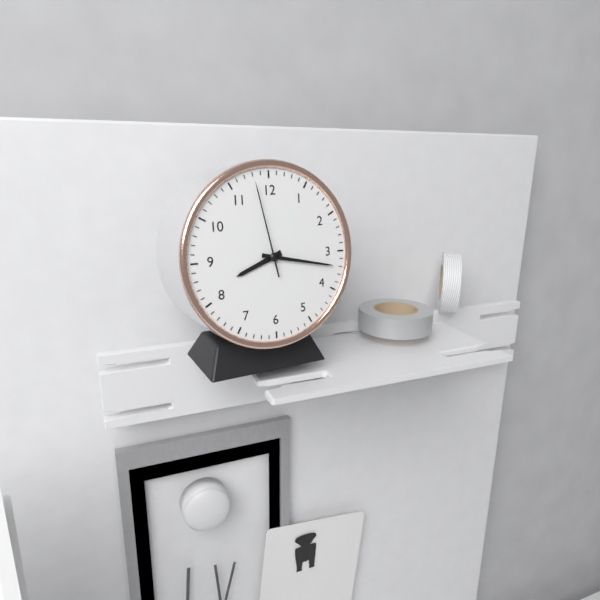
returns 8,17,58
